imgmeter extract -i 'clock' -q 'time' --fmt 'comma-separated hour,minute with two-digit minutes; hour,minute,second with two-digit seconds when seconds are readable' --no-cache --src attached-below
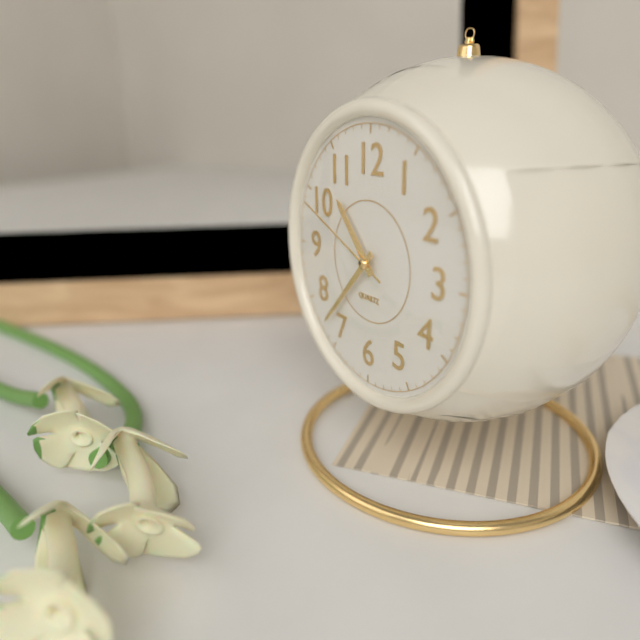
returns 10,37,49
